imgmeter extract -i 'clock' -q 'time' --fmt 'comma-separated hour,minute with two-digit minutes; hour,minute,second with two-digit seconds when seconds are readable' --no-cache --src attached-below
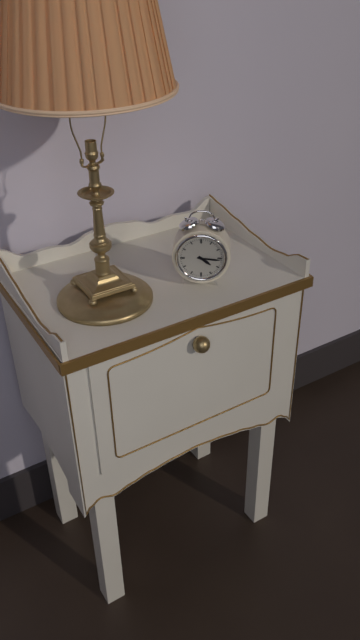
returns 4,16
